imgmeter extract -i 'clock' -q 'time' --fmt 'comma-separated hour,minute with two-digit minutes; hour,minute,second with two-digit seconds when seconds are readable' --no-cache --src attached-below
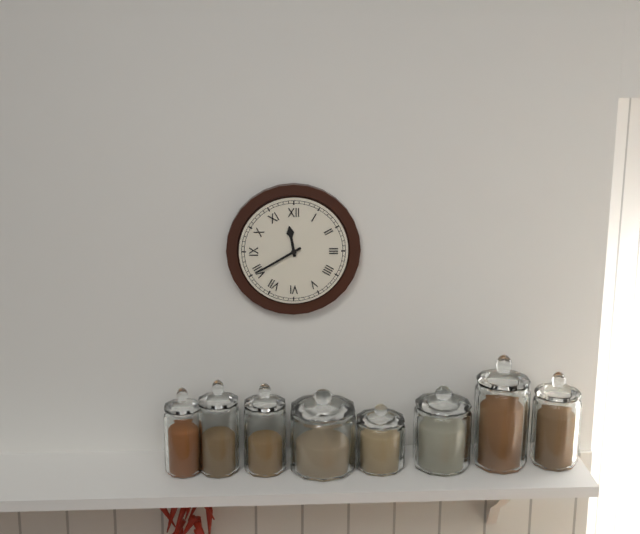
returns 11,40
